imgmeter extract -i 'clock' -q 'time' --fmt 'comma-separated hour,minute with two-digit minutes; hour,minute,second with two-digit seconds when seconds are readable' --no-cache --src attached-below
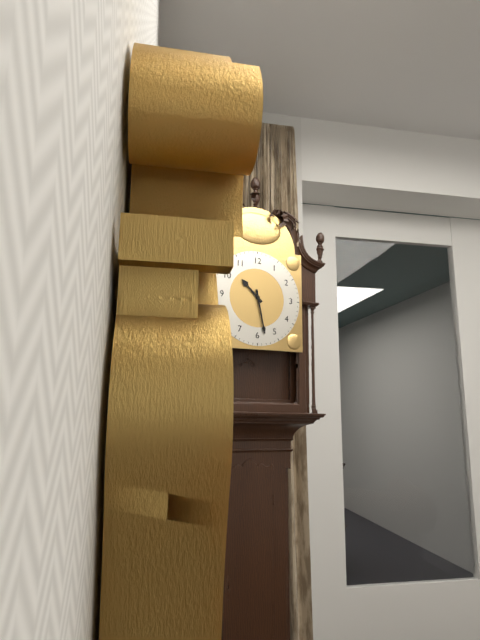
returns 10,28
